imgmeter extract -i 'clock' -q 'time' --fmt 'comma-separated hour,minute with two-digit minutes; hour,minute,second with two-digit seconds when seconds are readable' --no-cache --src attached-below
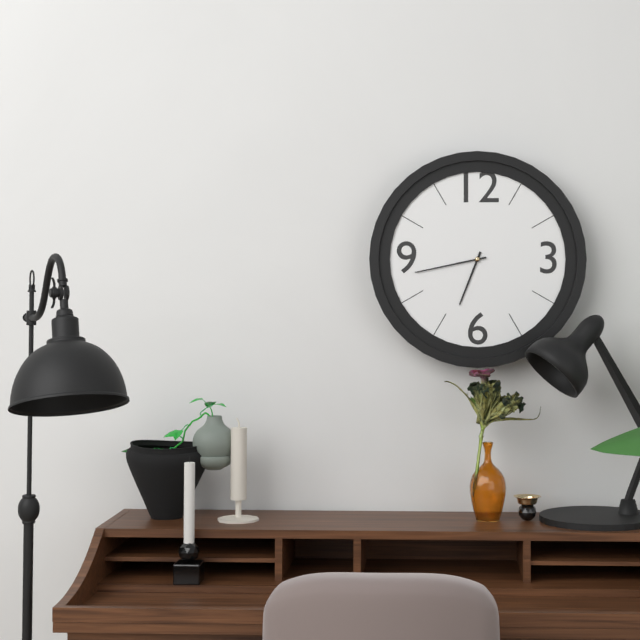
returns 6,43
